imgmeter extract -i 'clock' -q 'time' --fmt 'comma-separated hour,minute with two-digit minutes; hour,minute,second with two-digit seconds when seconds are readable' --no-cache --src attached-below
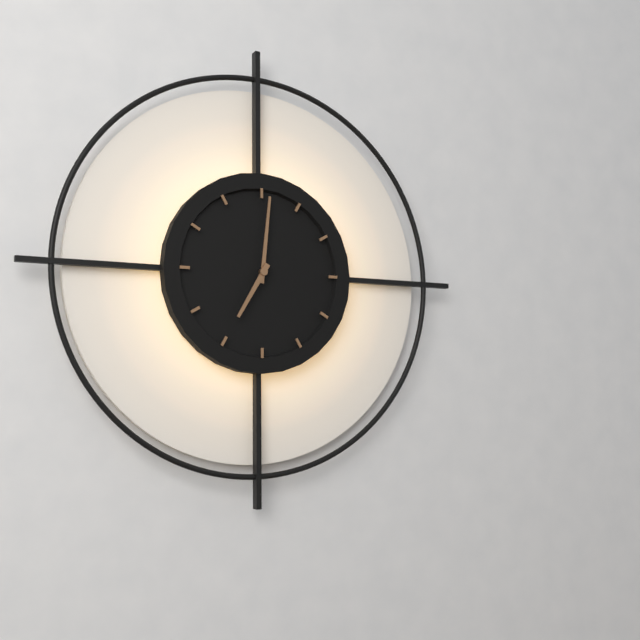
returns 7,01
